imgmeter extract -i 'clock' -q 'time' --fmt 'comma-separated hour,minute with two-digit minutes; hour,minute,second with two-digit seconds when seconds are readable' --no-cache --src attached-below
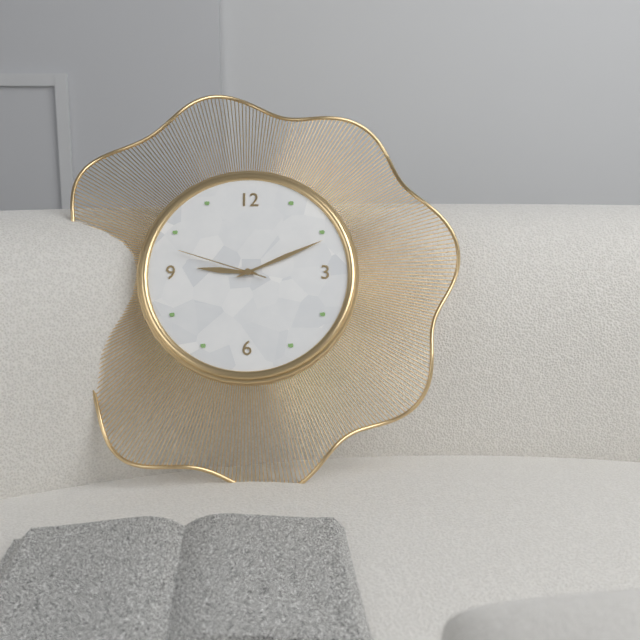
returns 9,11,48
